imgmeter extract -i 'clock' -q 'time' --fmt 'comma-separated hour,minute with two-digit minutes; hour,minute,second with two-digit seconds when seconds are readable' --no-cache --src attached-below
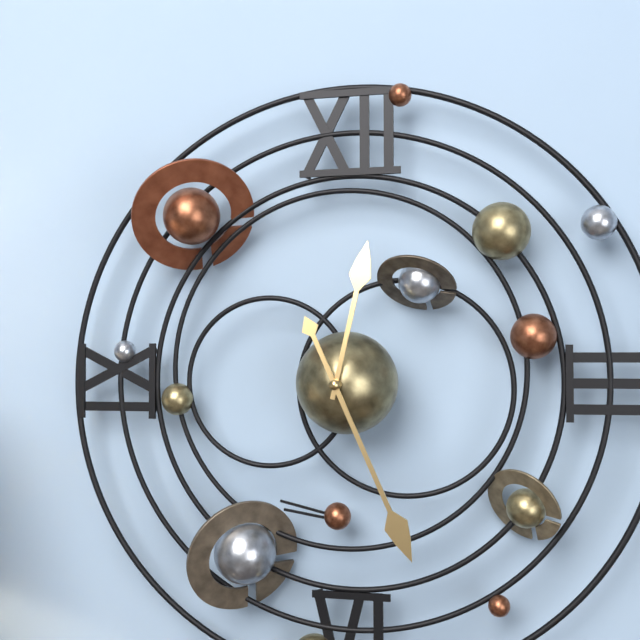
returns 12,26
